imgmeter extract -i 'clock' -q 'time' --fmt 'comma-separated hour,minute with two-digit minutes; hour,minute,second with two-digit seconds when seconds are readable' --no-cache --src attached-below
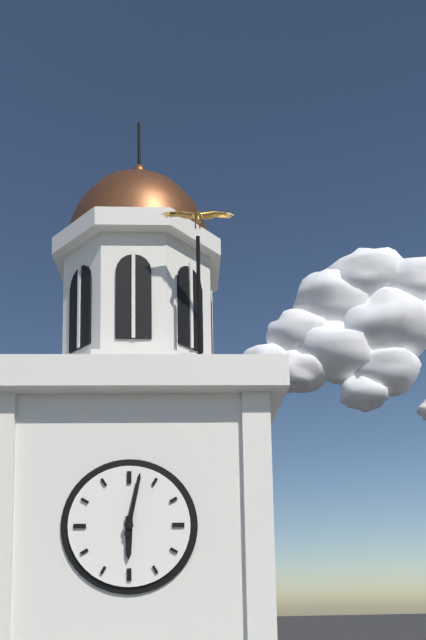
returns 6,02
